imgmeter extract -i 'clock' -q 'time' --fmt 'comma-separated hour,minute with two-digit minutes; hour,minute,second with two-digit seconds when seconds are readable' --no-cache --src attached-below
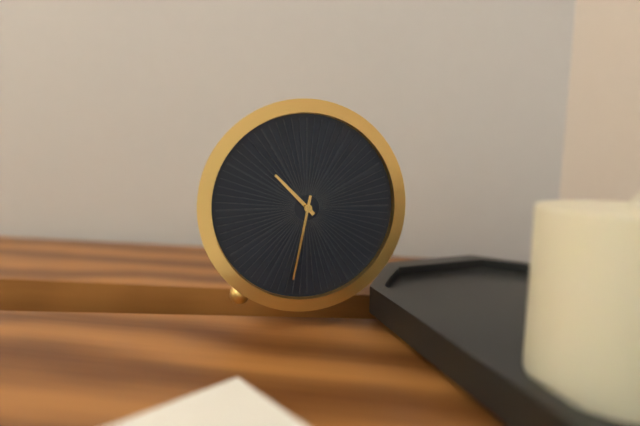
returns 10,32
